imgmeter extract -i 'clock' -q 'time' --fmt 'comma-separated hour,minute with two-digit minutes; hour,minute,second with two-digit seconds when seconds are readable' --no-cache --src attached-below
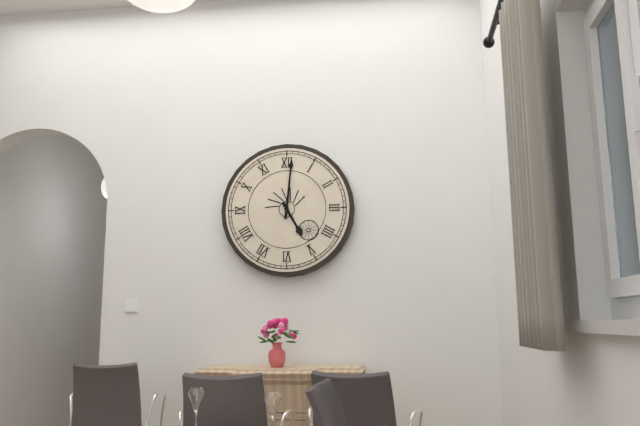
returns 5,01
